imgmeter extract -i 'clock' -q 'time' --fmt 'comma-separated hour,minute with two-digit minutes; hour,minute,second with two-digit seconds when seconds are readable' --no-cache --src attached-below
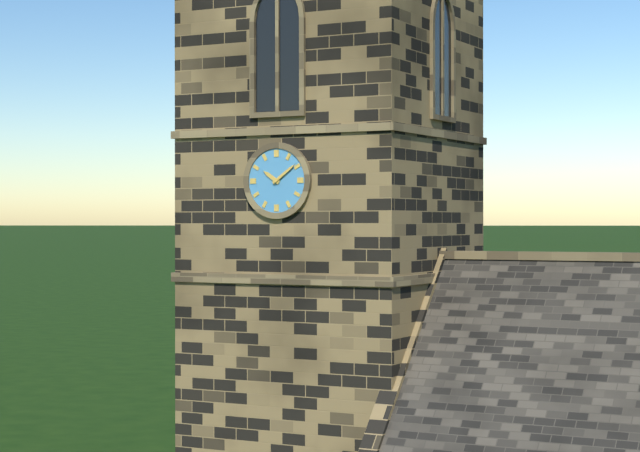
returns 10,09
